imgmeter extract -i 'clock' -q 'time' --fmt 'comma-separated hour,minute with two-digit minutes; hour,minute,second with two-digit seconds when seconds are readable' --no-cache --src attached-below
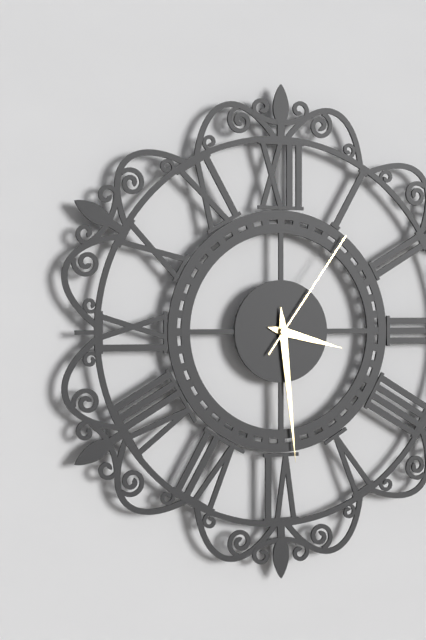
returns 3,29,06
